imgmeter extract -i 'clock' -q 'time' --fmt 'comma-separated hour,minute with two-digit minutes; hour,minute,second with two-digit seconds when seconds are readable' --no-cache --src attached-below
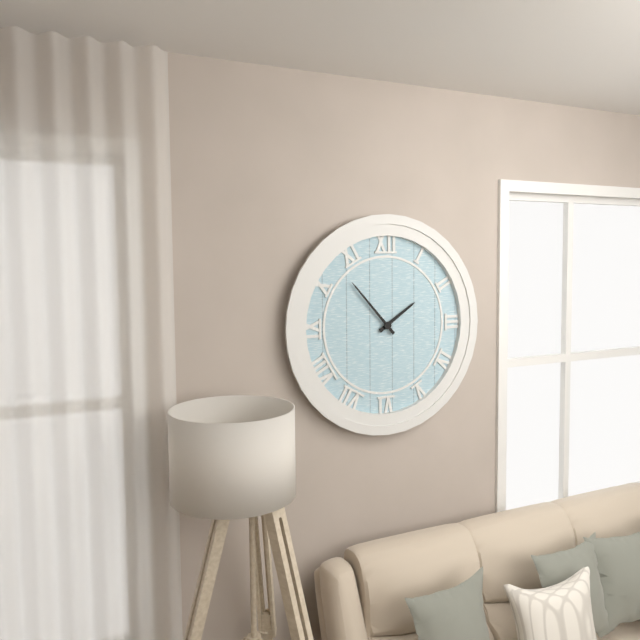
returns 1,53
